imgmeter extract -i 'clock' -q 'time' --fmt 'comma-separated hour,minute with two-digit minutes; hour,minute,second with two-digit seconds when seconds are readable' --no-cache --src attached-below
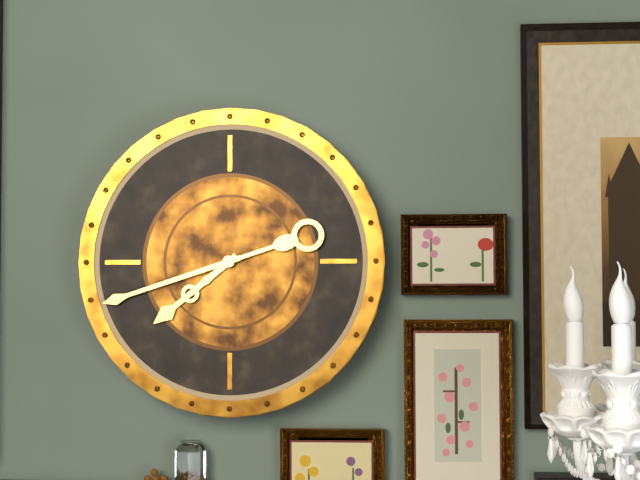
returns 7,42
